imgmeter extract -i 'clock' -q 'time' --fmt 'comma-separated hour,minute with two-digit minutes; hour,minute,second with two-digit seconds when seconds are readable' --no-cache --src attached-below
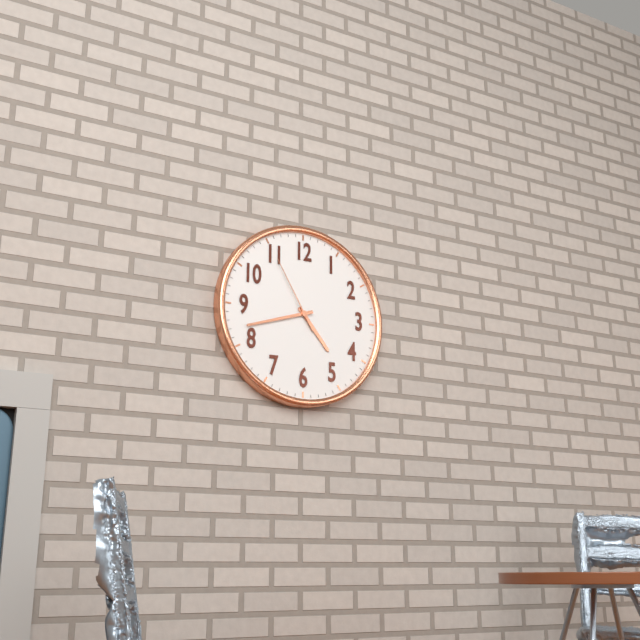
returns 4,42,55
